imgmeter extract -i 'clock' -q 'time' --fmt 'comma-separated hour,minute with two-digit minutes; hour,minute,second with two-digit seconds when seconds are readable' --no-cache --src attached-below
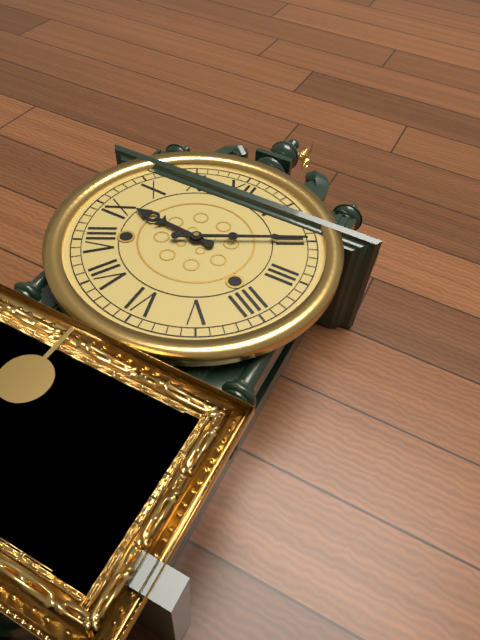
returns 9,10
